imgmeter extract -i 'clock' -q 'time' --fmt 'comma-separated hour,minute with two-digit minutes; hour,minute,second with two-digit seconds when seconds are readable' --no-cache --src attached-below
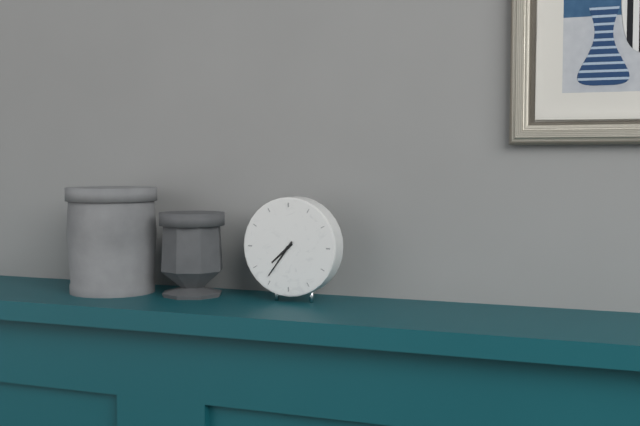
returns 7,36
